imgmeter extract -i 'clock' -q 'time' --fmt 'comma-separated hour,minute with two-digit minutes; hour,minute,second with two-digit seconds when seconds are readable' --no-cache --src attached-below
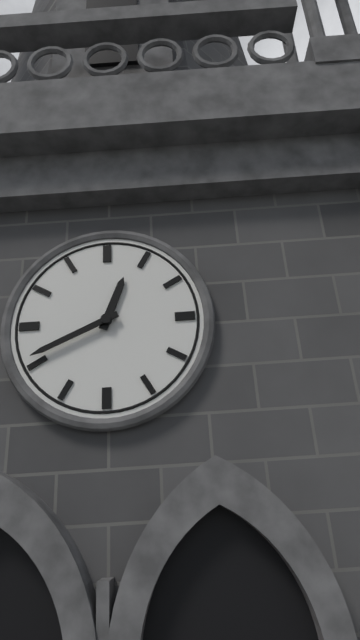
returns 12,41
